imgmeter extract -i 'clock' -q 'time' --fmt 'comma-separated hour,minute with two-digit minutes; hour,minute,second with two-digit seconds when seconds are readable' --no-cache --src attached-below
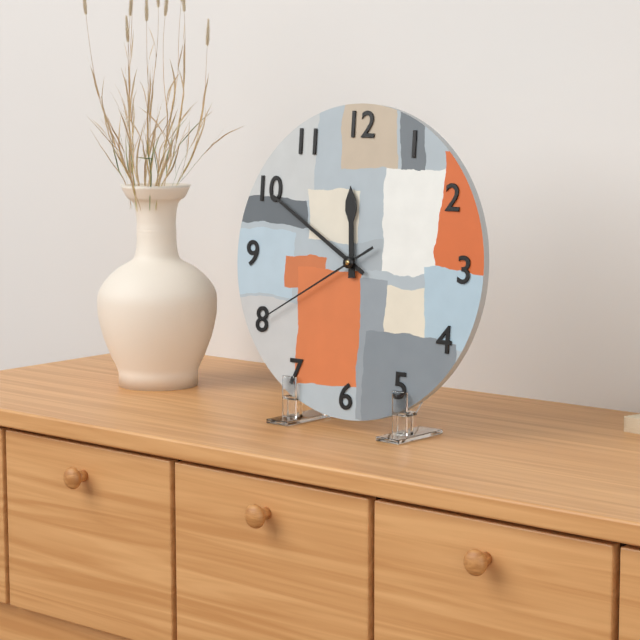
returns 11,50,40
